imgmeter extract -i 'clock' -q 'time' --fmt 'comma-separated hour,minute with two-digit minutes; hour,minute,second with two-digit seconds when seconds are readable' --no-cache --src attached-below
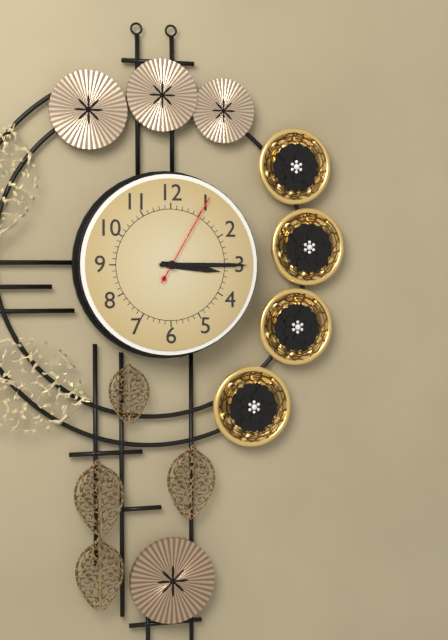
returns 3,15,05
